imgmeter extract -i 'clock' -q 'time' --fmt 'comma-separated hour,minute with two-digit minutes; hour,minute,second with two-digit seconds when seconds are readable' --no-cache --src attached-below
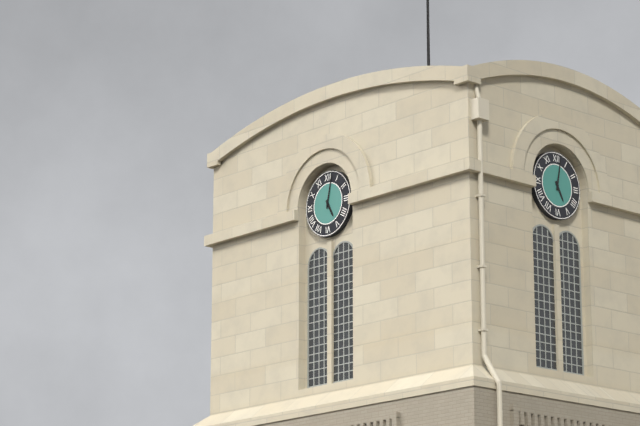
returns 5,02
